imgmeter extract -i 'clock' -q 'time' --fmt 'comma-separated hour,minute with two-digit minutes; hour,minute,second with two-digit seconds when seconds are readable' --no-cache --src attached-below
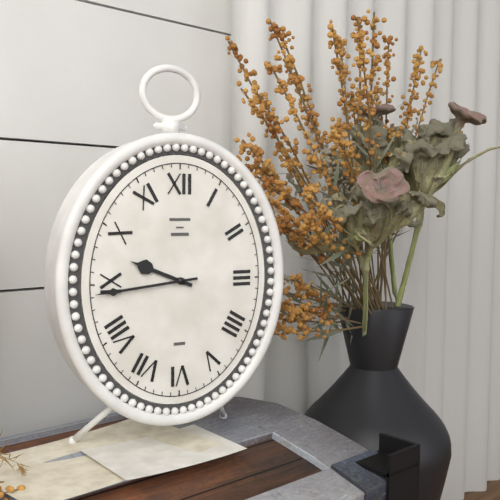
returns 9,44
